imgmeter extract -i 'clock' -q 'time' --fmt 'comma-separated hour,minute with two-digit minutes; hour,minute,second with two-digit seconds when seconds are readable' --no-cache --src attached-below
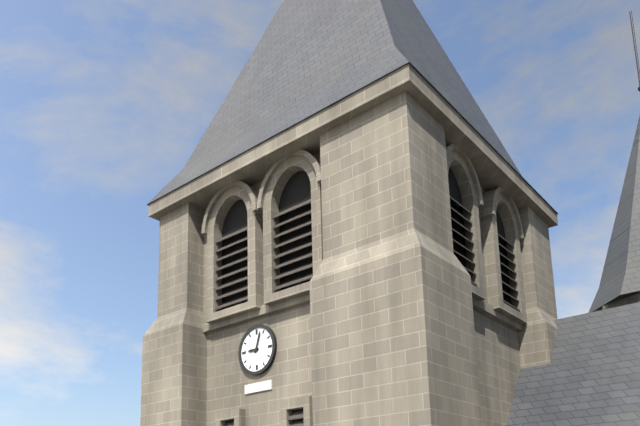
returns 9,03
